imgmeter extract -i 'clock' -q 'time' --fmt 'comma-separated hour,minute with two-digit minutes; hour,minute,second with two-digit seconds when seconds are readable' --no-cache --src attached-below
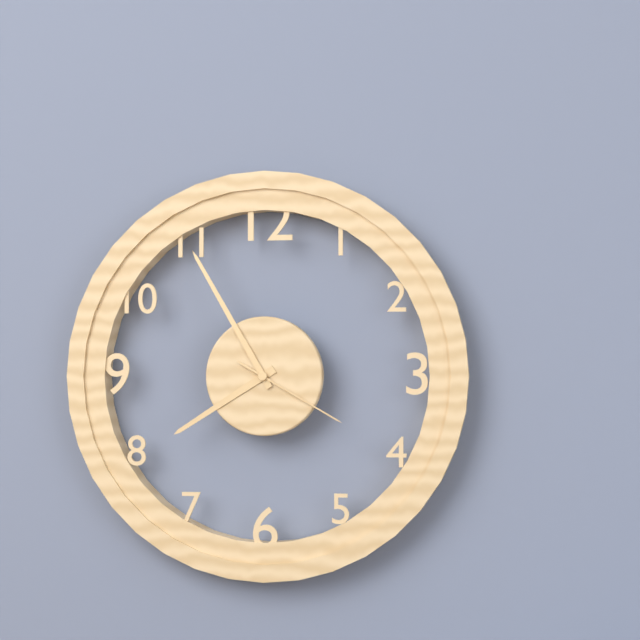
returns 7,55,20
